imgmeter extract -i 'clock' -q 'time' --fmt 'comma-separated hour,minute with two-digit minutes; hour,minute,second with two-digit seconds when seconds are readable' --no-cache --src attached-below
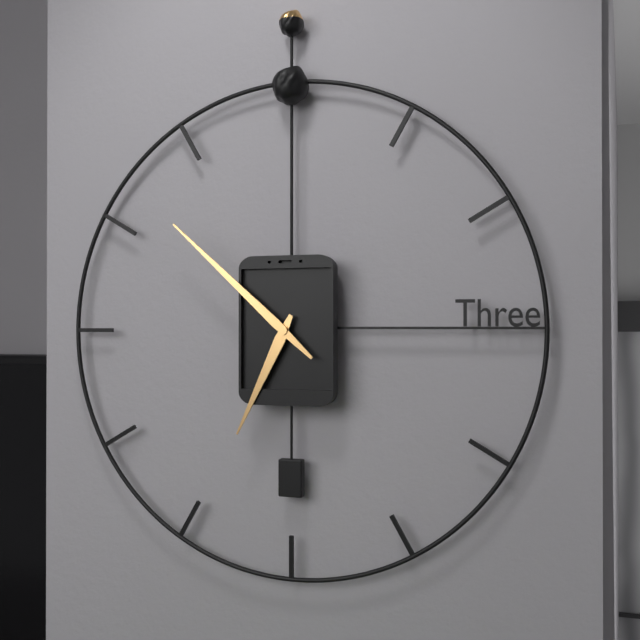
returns 6,52
